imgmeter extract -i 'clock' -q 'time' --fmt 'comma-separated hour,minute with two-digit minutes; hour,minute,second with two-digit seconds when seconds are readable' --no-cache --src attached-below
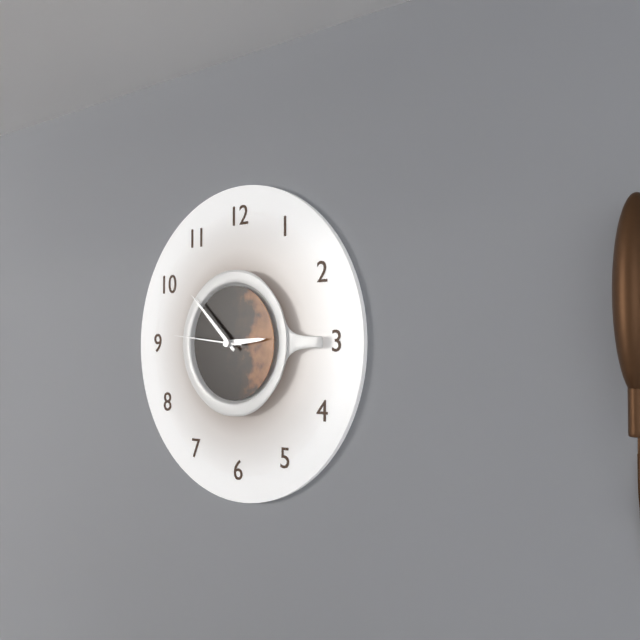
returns 2,52,46
